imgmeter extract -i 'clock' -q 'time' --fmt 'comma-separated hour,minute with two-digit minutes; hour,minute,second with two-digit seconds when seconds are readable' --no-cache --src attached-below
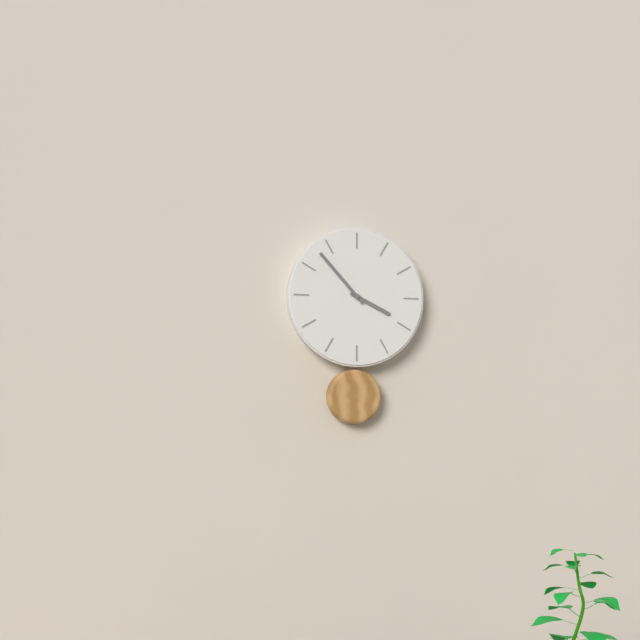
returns 3,53
